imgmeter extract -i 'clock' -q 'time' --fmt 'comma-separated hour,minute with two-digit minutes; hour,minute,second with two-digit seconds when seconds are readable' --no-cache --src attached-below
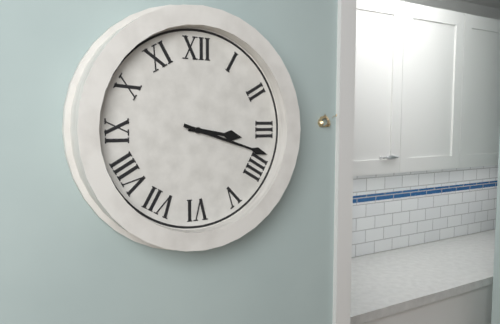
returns 3,18
